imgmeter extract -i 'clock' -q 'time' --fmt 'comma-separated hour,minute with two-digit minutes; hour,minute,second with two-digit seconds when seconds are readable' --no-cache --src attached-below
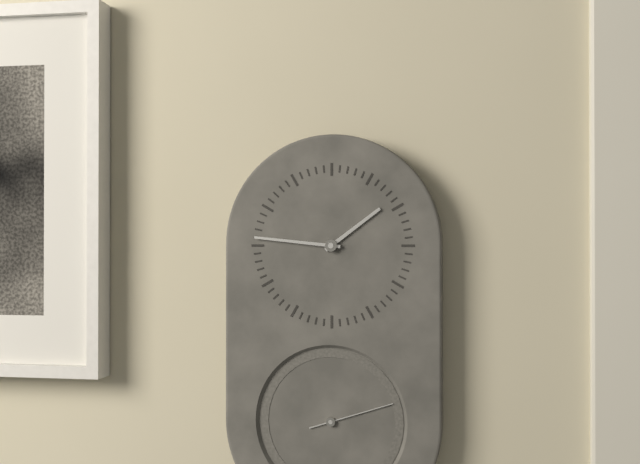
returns 1,46,12
